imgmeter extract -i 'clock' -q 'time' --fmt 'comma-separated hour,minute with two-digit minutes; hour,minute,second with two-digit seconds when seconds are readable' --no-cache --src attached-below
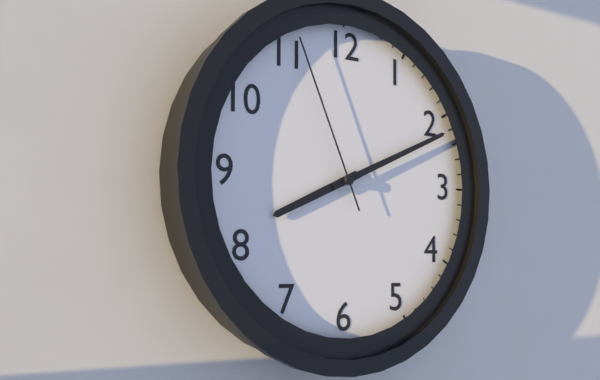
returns 8,11,56
